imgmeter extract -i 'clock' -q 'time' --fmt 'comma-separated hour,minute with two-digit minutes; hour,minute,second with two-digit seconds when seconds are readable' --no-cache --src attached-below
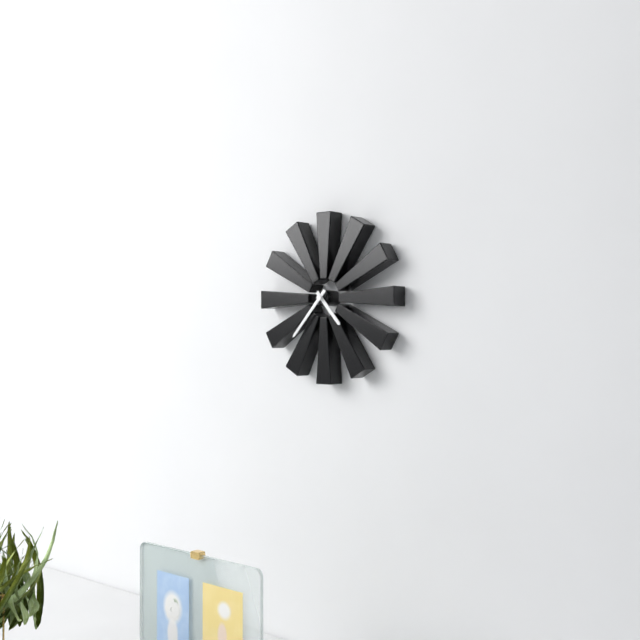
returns 4,37
